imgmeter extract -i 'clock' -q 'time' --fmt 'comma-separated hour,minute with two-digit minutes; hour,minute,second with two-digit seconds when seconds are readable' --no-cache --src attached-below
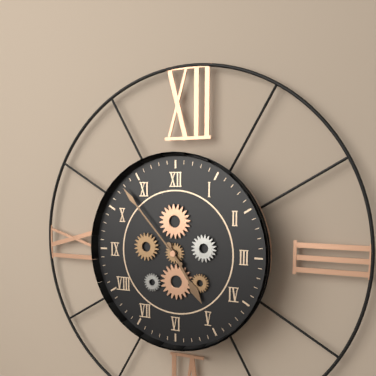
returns 4,53
